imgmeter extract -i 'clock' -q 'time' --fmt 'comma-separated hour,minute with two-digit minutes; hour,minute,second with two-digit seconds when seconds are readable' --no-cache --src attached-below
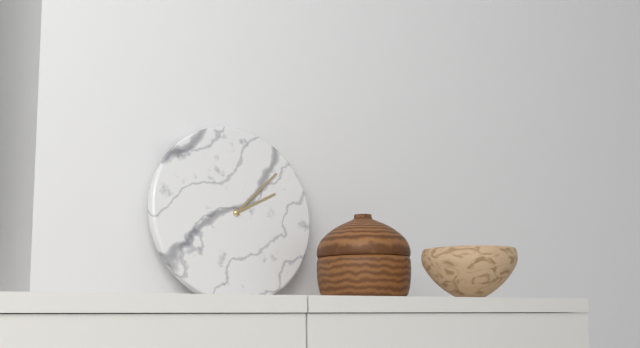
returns 2,08
